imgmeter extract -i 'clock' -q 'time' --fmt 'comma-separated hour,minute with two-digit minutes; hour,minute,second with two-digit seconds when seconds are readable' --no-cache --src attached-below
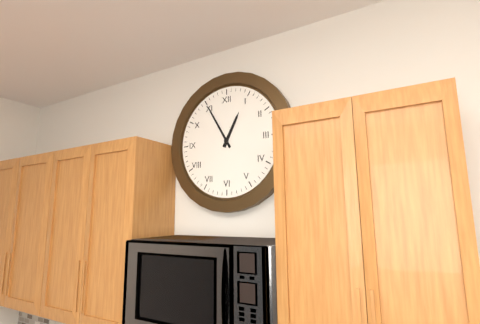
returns 12,55
